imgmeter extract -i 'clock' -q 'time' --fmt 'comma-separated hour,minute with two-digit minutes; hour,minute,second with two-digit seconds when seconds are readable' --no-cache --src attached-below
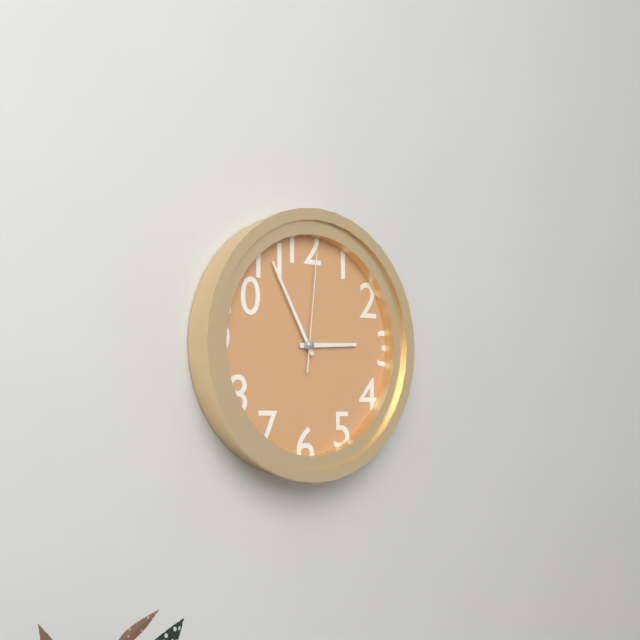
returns 2,55,01
